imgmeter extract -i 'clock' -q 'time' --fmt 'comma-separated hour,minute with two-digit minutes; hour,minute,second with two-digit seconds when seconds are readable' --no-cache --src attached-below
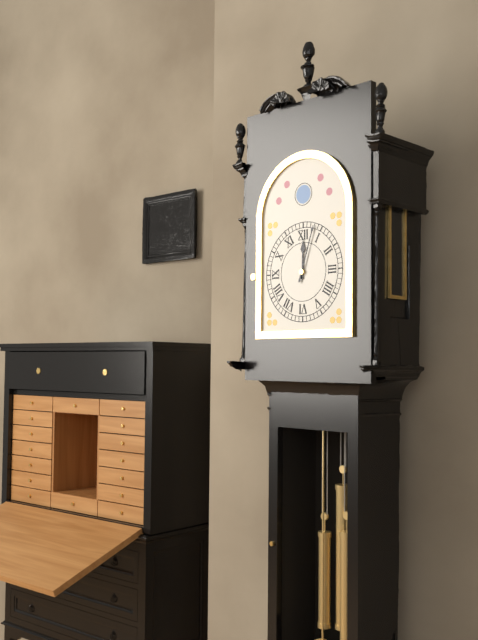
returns 12,03
